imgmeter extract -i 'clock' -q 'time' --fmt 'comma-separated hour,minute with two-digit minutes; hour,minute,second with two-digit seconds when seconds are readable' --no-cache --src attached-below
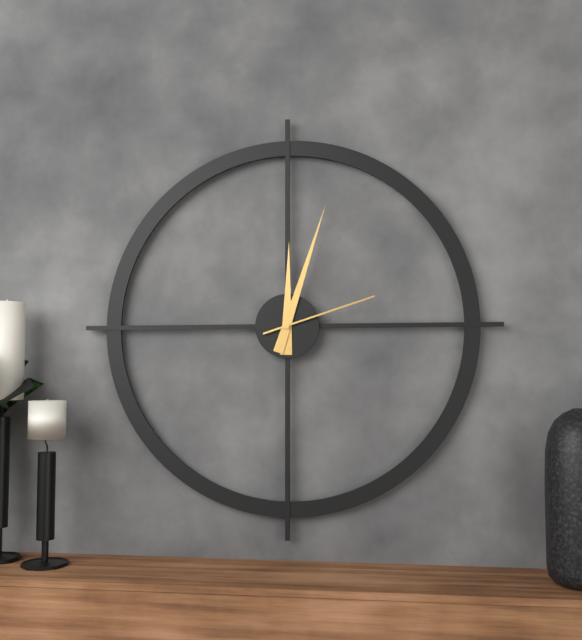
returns 12,03,12
